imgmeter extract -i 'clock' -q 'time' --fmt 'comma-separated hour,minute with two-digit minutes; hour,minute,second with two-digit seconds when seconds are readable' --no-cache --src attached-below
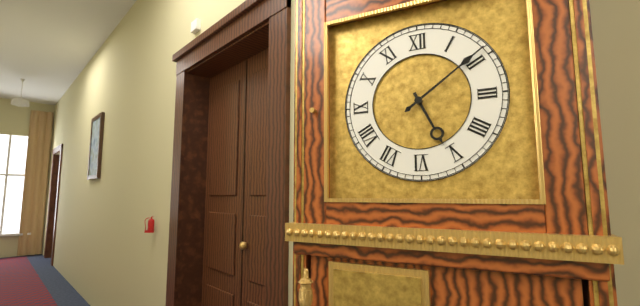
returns 5,09
